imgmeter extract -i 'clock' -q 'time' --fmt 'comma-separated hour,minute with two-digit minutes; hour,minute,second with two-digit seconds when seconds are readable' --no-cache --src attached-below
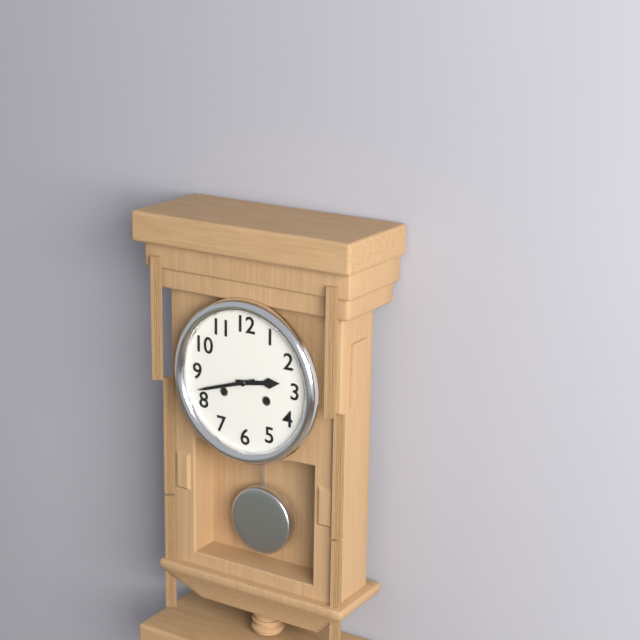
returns 2,42
